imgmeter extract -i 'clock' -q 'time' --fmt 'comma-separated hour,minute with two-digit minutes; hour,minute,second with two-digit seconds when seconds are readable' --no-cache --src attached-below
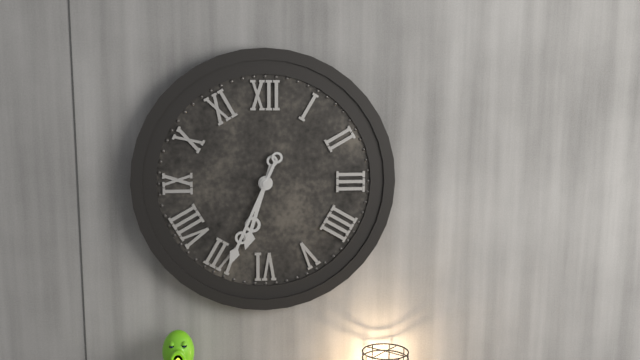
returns 6,34
